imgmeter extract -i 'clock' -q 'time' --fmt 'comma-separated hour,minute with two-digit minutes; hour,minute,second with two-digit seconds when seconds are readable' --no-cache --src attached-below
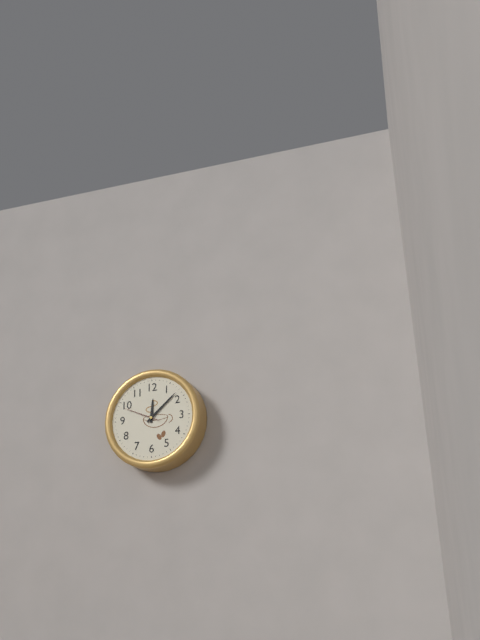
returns 12,08
